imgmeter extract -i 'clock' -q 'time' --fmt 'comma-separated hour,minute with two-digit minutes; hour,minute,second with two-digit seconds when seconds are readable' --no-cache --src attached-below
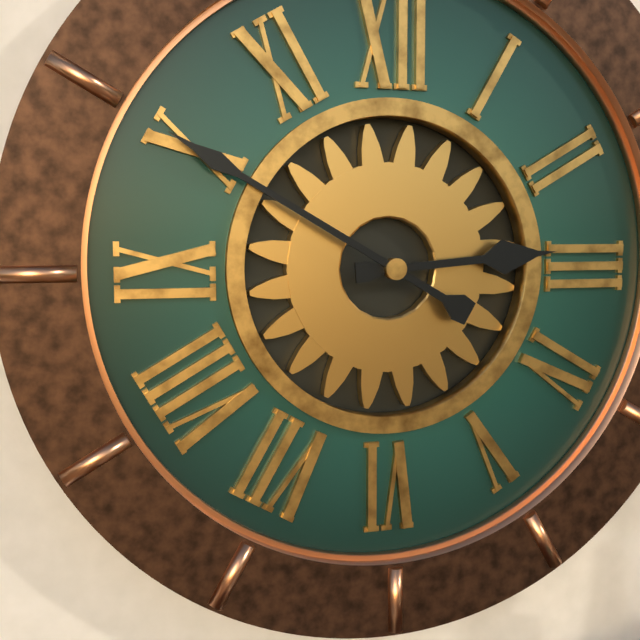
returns 2,50
